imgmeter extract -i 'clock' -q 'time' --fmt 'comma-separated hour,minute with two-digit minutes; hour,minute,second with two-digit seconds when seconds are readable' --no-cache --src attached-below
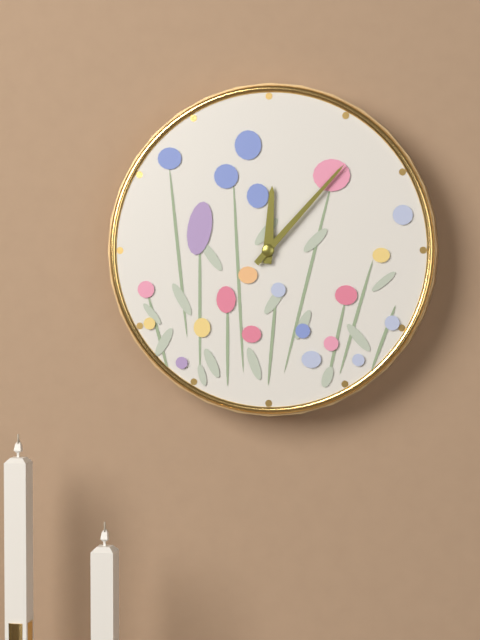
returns 12,07
